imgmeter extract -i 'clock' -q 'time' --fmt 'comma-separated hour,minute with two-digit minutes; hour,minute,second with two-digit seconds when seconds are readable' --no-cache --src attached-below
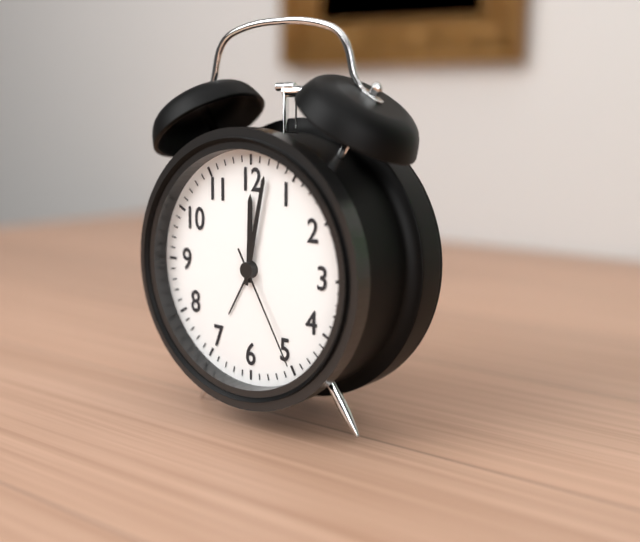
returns 12,02,25
